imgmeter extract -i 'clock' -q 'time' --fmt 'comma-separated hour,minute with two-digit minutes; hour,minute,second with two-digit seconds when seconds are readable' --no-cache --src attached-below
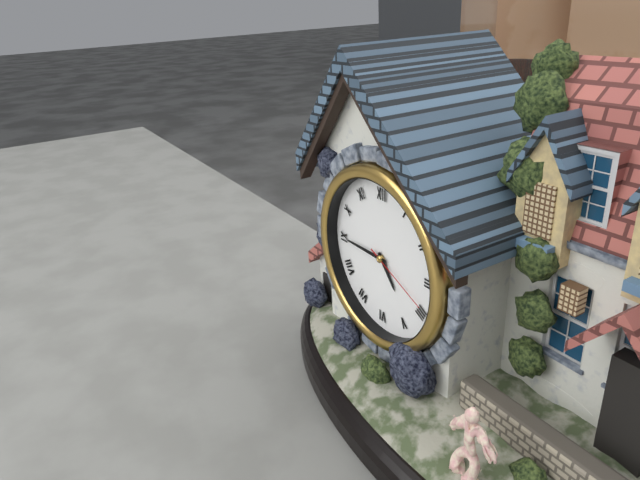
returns 4,45,19
